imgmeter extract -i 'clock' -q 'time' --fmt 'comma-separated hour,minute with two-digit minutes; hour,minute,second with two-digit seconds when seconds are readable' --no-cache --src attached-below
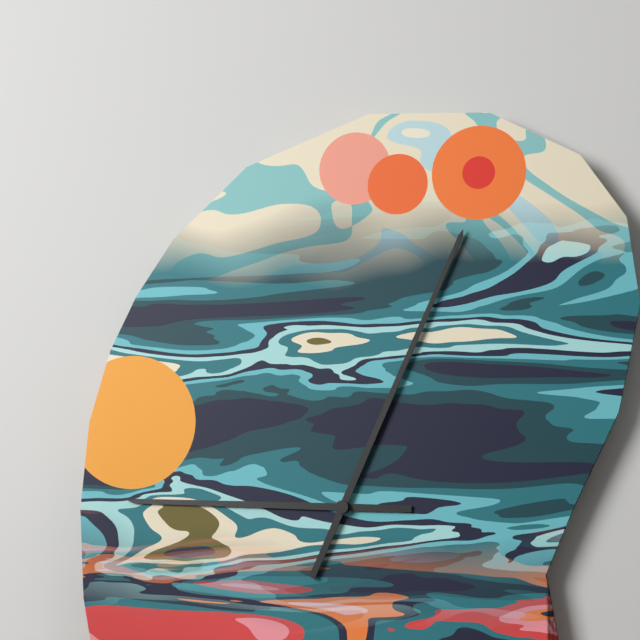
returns 9,04
